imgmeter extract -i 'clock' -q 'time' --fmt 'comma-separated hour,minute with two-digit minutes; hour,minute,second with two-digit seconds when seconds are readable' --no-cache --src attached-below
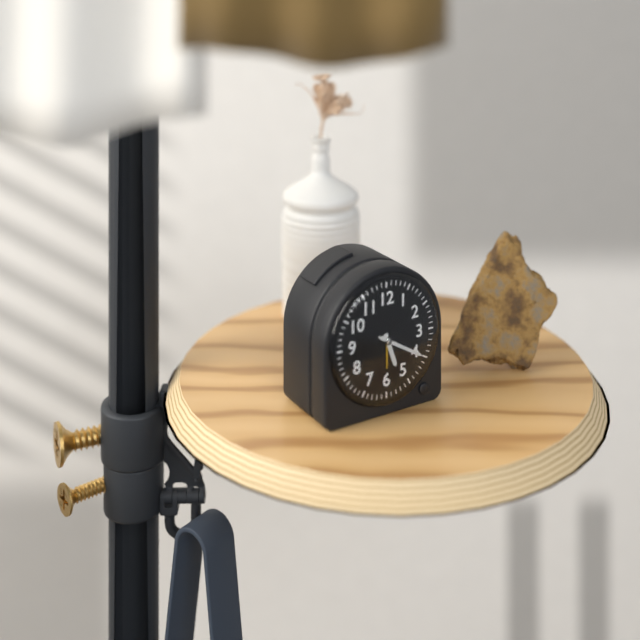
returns 5,20,20
